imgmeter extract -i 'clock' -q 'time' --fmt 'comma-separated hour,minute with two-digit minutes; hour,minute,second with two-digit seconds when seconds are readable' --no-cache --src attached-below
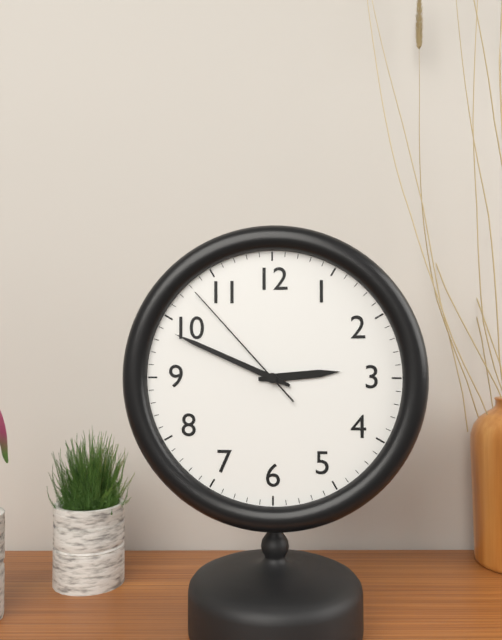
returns 2,49,53
